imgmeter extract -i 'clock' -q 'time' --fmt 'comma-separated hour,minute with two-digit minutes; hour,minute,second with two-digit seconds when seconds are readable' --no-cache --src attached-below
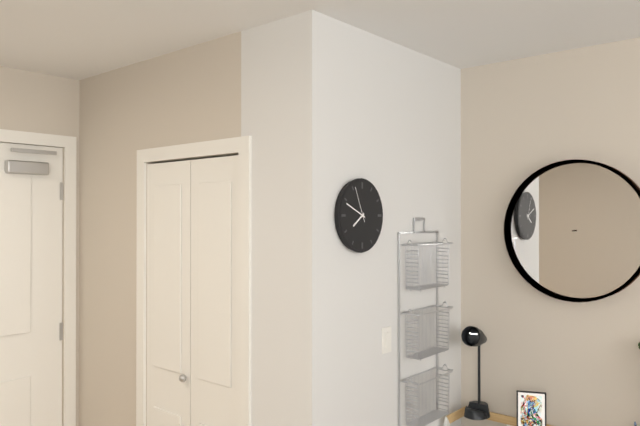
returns 7,49
